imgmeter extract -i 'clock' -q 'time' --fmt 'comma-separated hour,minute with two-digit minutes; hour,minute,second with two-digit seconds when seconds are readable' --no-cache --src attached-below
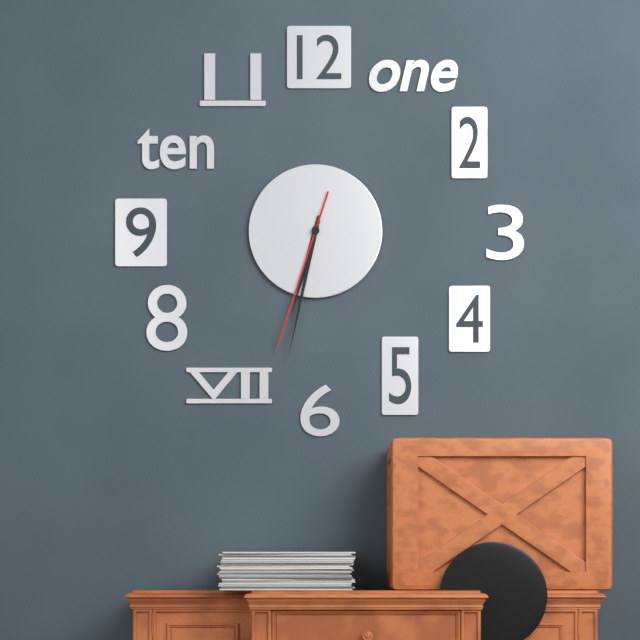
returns 6,32,33
